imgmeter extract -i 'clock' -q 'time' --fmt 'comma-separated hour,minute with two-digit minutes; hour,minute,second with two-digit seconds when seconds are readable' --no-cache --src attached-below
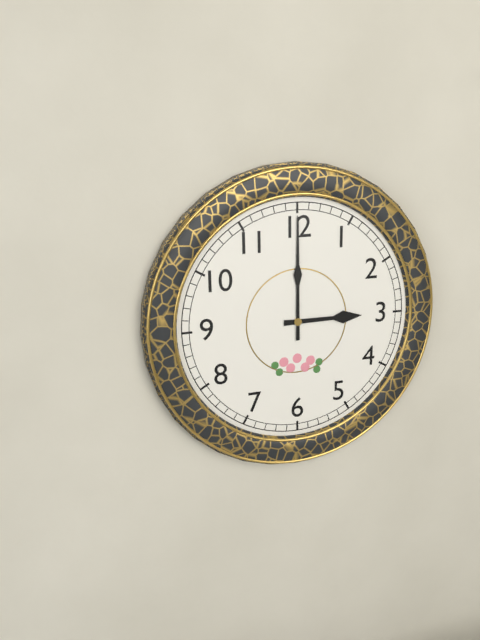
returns 3,00
